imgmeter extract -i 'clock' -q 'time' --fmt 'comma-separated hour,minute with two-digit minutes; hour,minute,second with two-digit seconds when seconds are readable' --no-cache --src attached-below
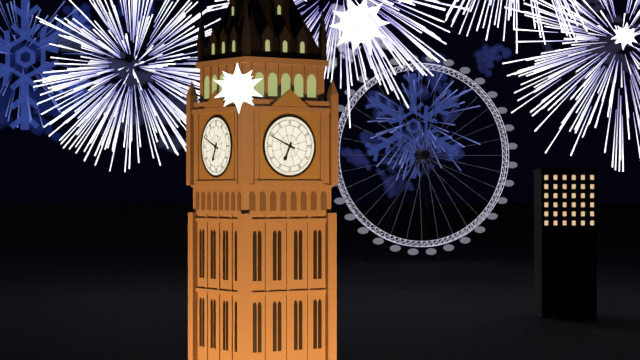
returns 6,49
